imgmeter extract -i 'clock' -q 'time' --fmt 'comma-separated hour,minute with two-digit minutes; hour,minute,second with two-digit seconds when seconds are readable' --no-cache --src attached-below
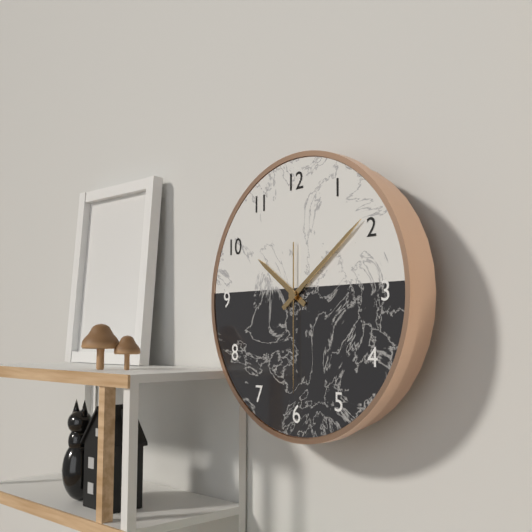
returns 10,09,30
